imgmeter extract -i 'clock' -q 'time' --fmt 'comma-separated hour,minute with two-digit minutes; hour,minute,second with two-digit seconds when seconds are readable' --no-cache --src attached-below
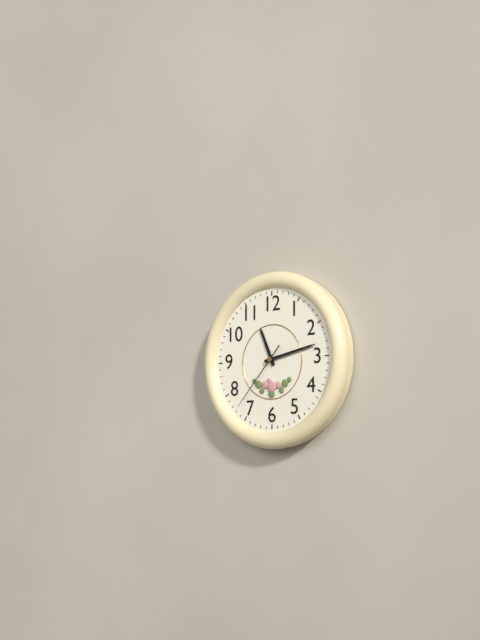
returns 11,13,37
